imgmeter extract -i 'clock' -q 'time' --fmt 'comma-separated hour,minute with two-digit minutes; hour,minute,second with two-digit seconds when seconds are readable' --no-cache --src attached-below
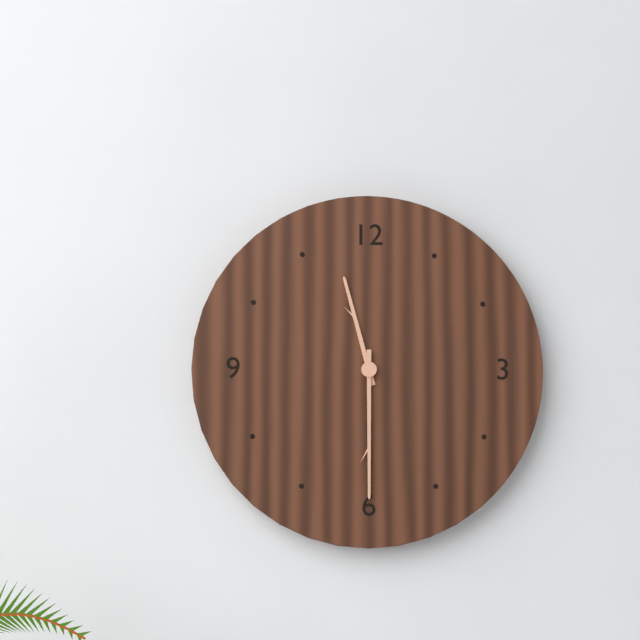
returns 11,30
